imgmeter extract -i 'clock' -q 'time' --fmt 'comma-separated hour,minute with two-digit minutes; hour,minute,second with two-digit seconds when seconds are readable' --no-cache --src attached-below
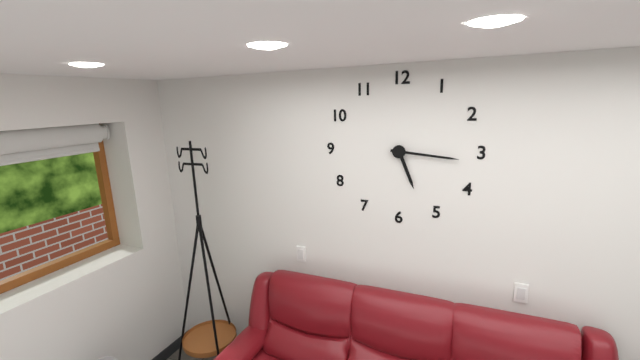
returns 5,16
